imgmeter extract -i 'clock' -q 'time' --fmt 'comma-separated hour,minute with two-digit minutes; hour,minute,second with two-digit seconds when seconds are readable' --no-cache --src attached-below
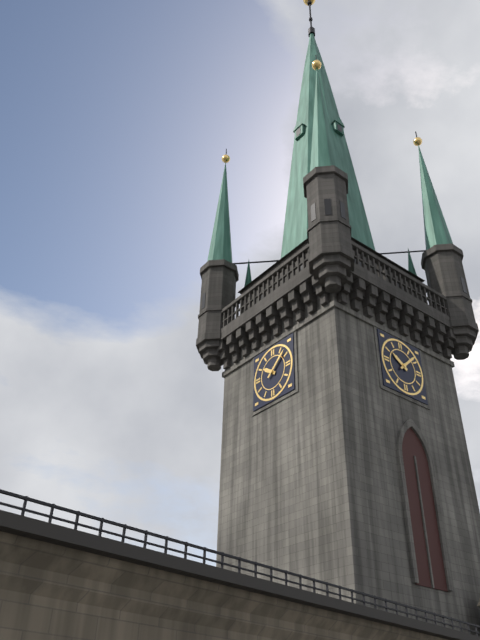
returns 10,08
